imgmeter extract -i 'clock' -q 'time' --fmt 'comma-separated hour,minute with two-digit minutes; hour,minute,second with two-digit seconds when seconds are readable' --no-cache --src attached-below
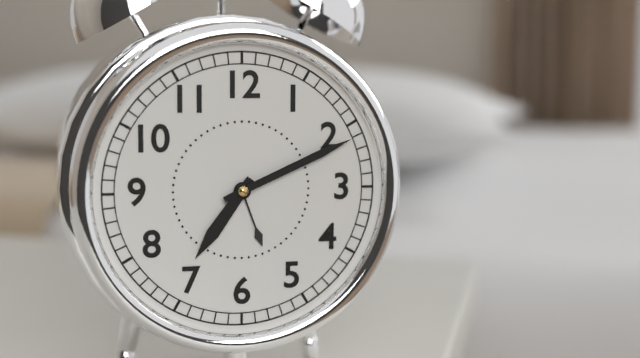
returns 7,11
